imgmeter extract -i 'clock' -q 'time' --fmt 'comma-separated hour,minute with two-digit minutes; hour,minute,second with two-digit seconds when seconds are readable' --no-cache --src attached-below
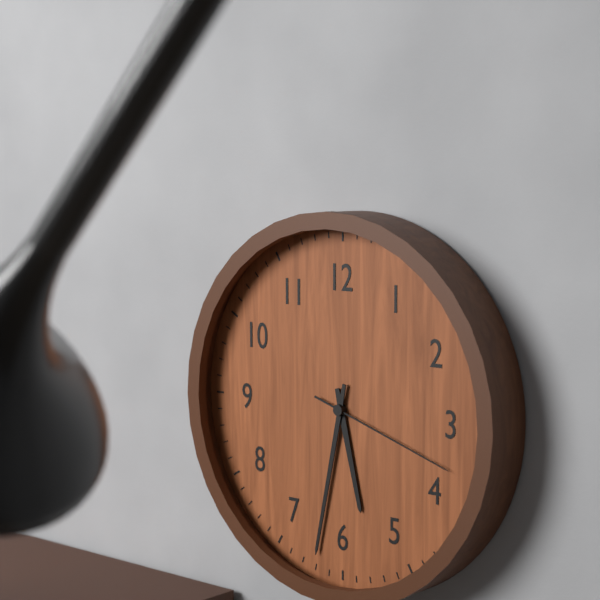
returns 5,32,18
